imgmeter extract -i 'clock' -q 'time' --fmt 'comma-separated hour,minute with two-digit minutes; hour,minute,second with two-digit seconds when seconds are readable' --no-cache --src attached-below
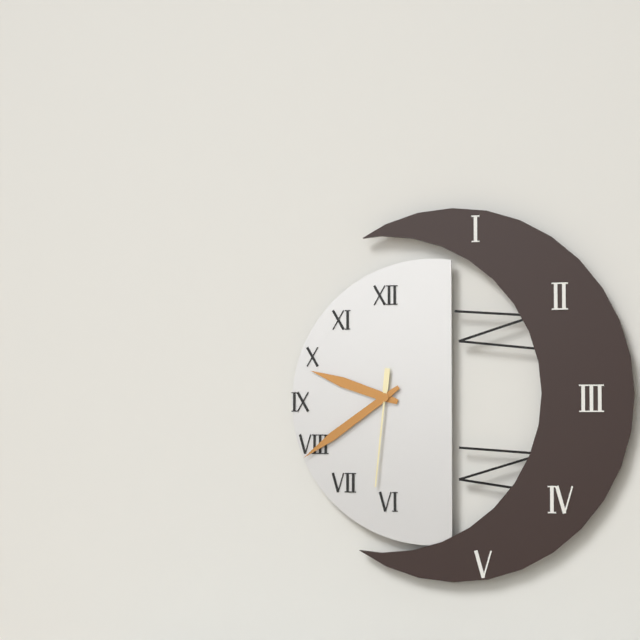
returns 9,39,31
